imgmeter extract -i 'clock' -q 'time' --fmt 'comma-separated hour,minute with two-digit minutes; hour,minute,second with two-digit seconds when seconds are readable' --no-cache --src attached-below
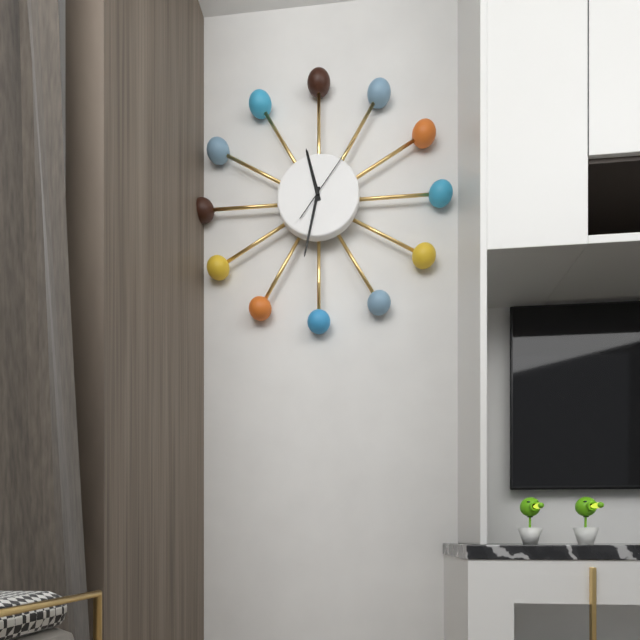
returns 11,32,06
